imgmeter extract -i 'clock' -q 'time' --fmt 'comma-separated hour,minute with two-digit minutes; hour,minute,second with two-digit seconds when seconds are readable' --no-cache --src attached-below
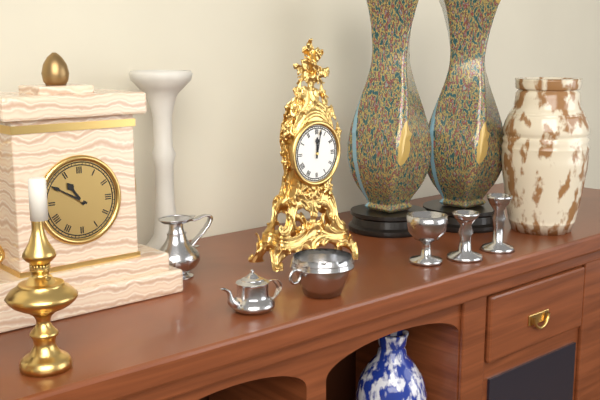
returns 12,02
